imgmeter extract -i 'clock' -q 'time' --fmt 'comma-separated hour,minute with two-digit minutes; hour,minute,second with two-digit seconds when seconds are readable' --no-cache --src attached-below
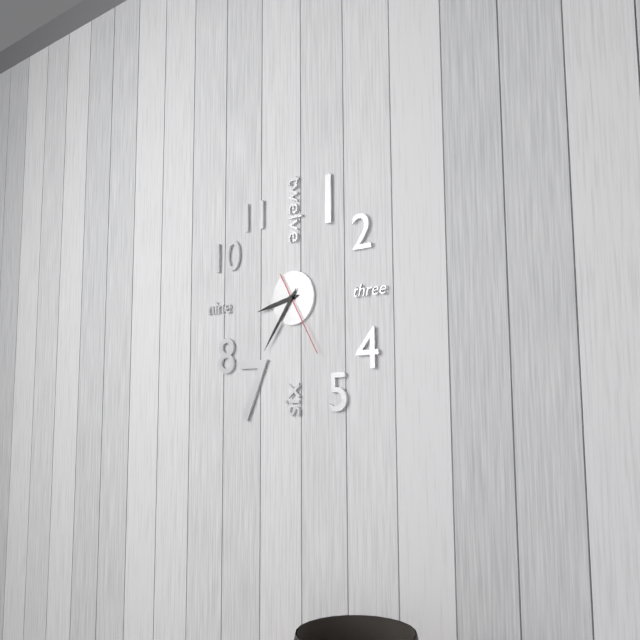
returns 8,36,25
